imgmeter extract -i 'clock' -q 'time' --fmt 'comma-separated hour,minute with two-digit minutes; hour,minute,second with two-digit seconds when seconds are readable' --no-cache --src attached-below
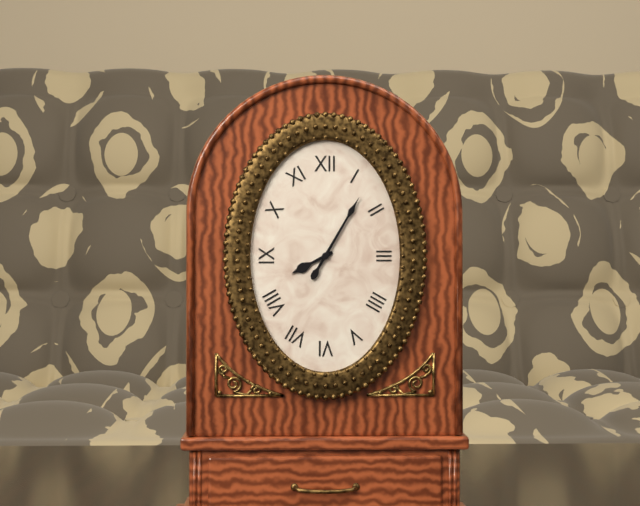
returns 8,05
